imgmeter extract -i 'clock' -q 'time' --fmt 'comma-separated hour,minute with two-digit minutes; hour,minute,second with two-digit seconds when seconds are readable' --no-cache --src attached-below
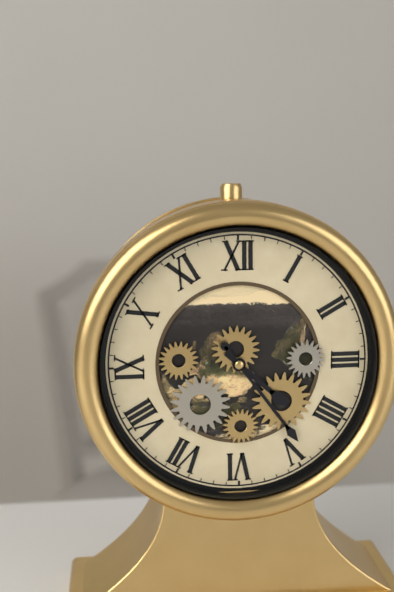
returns 4,24
